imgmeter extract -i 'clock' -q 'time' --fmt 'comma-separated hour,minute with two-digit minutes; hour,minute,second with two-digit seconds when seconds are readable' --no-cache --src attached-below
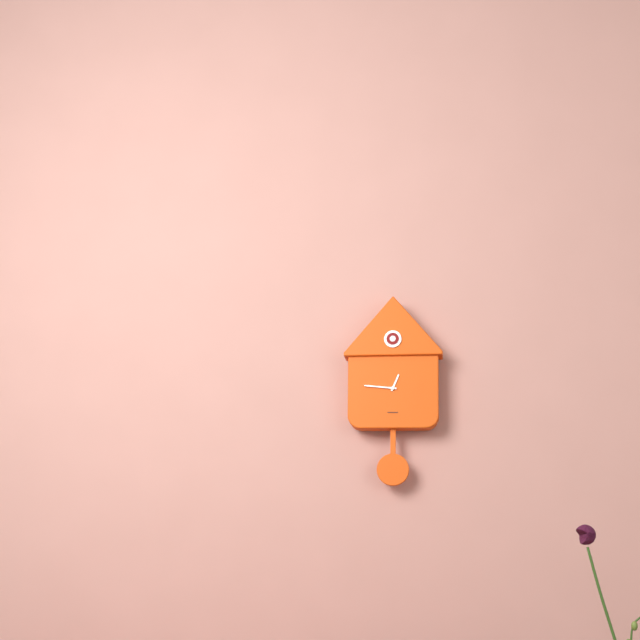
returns 12,46
